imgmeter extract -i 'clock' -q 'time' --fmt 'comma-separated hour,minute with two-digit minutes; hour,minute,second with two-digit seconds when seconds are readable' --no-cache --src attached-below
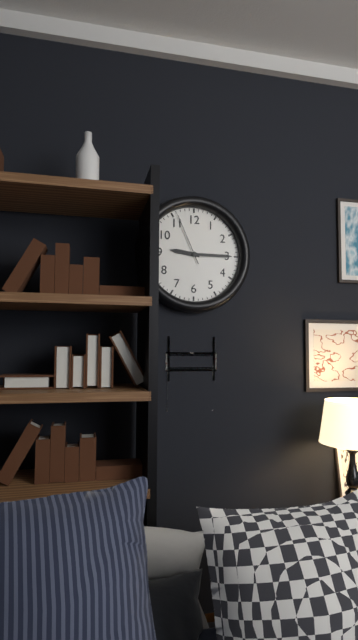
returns 9,15,56
